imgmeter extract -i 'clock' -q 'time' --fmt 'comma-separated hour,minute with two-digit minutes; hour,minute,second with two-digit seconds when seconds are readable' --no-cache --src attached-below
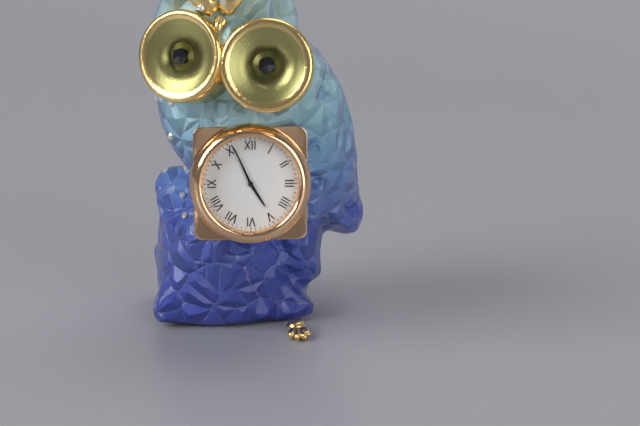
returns 4,56
